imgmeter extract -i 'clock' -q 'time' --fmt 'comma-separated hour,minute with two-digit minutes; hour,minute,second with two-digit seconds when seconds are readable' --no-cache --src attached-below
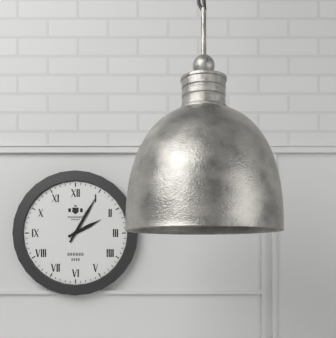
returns 2,05
